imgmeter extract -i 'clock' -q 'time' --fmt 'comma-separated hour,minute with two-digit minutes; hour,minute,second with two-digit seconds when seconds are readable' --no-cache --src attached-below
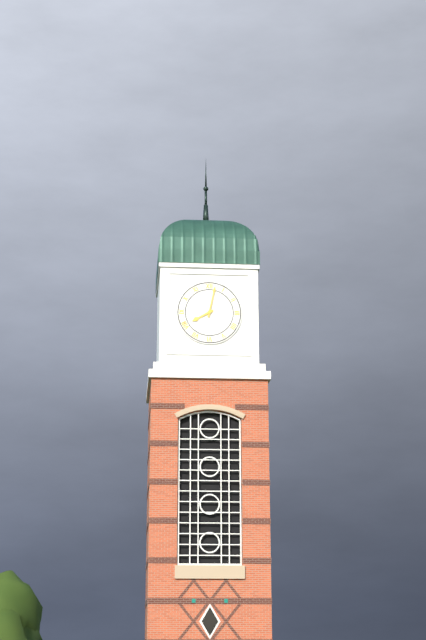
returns 8,02
